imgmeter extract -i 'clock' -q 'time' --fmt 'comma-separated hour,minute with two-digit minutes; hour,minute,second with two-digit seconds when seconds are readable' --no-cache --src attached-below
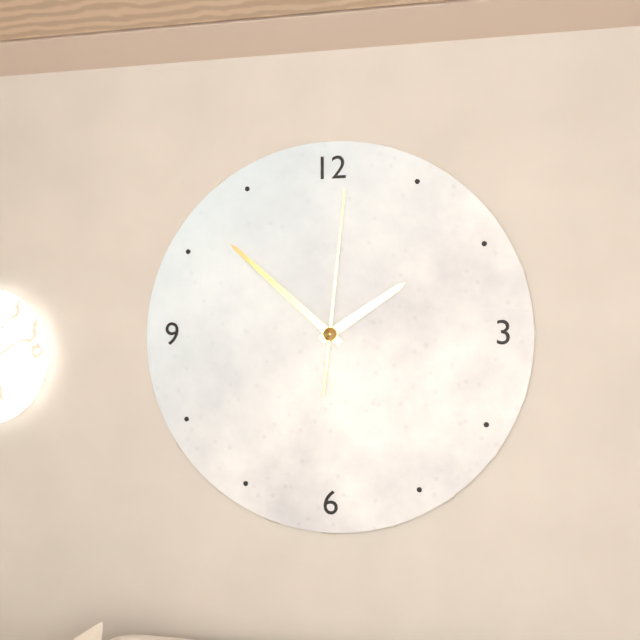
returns 1,52,01
